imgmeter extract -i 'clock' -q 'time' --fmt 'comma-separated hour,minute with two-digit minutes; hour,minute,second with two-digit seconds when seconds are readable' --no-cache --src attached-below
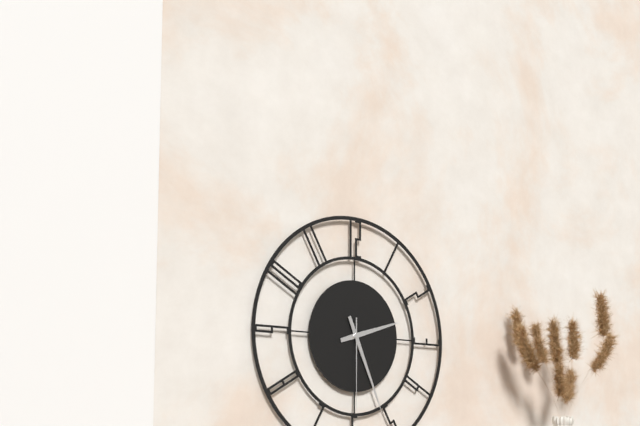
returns 2,26,30
